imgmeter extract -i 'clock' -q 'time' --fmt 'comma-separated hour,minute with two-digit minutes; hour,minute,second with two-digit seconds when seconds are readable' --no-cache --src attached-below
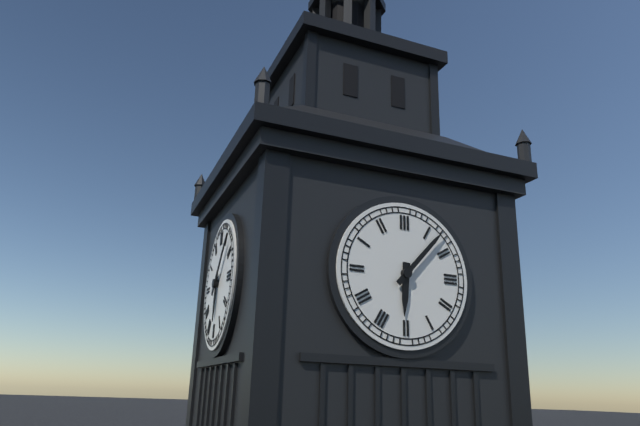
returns 6,07
